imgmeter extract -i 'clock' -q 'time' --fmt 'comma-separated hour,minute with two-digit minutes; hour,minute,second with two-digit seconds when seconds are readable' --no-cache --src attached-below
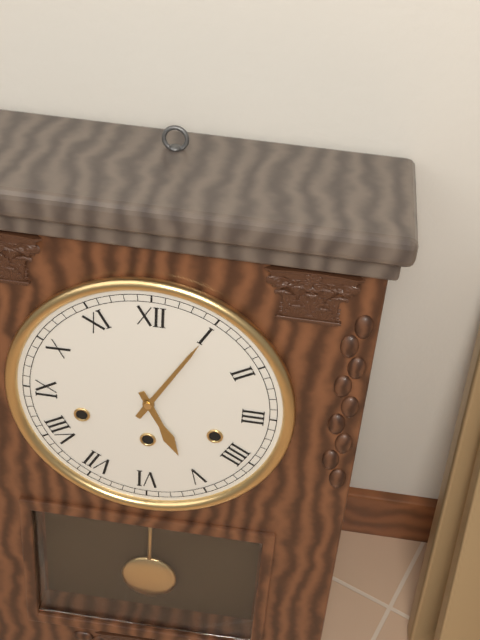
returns 5,05
